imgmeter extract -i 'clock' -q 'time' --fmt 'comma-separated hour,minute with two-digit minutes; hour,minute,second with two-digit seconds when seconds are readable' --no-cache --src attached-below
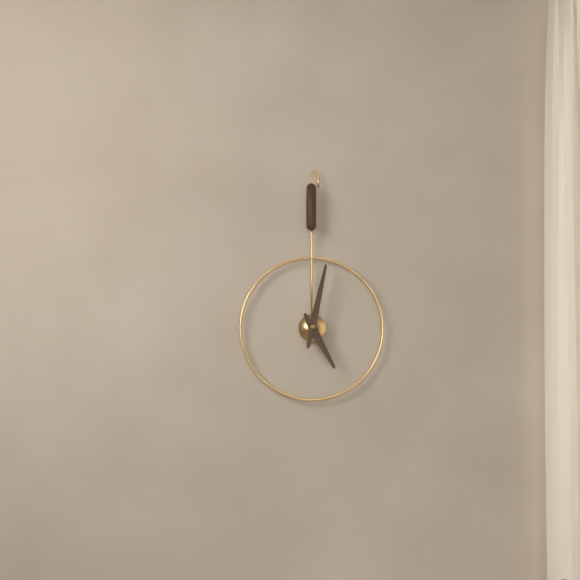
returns 5,02
